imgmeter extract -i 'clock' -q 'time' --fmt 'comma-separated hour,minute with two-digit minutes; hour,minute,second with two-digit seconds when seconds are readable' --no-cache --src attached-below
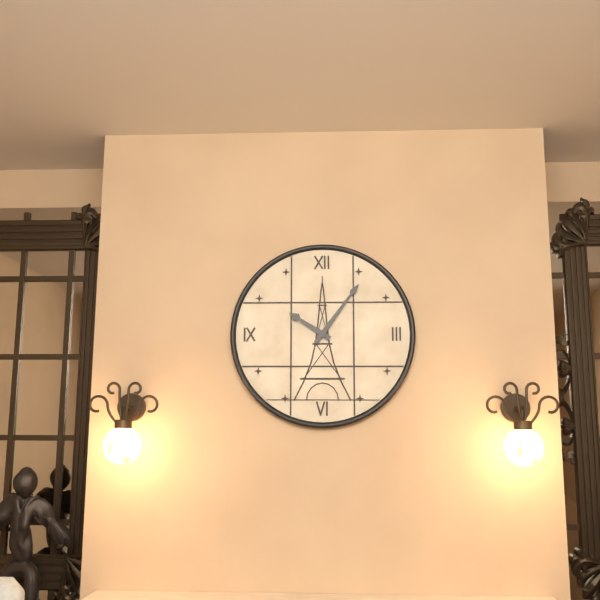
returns 10,06
